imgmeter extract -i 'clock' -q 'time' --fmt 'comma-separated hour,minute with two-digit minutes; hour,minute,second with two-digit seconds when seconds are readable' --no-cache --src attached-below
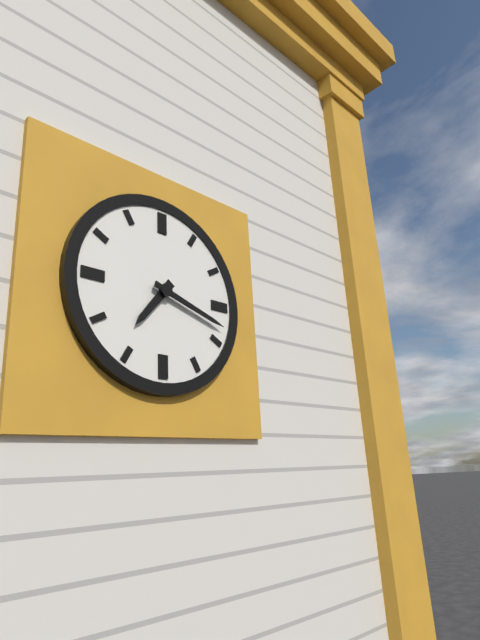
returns 7,18
